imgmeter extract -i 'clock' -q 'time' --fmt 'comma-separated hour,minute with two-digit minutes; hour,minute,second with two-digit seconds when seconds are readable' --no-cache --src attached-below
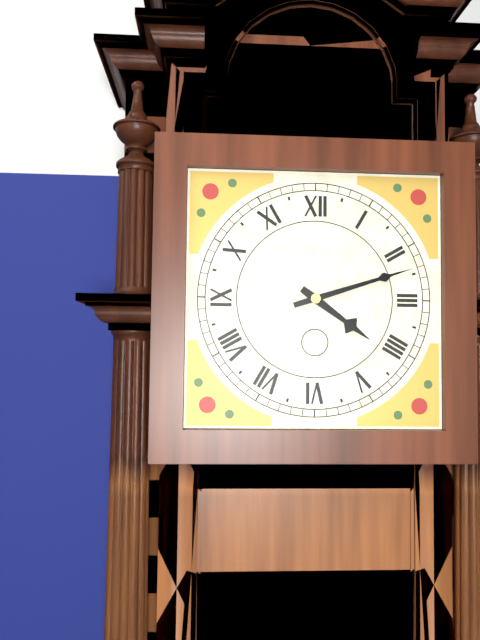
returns 4,12
